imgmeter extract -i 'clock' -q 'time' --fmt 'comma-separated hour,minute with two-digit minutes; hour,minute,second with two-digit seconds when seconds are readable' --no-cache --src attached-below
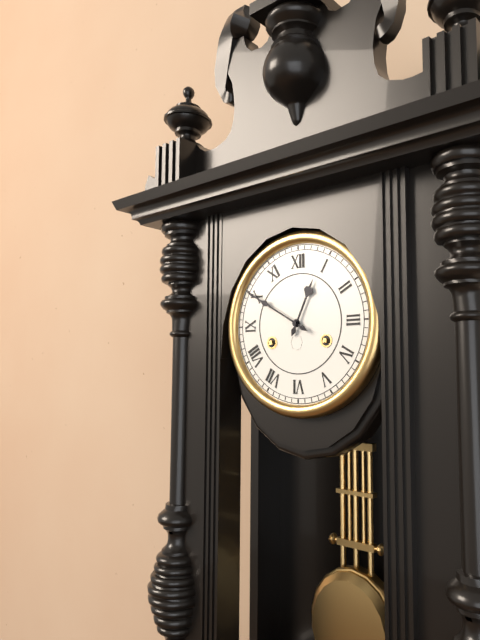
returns 12,50
